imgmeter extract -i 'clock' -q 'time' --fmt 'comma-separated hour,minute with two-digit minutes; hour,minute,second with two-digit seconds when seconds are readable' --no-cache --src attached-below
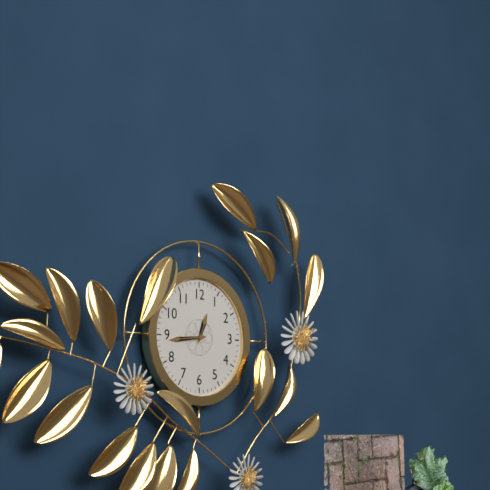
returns 12,44
